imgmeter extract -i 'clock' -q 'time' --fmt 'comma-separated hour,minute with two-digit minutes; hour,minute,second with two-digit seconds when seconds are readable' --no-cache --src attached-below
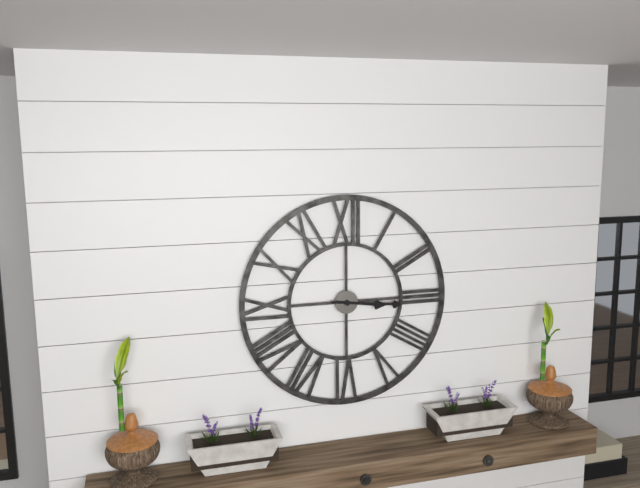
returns 3,16
